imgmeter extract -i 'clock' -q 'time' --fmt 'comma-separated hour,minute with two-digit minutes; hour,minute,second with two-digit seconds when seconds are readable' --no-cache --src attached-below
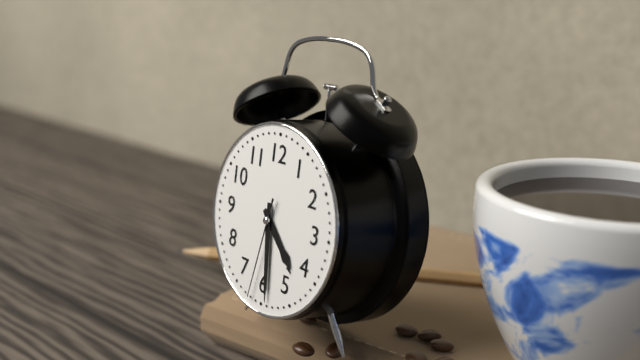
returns 4,29,32
